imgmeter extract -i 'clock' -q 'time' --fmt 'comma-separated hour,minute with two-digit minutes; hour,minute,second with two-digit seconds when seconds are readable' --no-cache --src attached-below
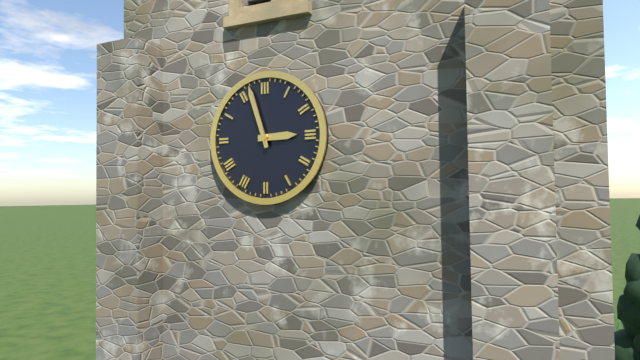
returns 2,57
